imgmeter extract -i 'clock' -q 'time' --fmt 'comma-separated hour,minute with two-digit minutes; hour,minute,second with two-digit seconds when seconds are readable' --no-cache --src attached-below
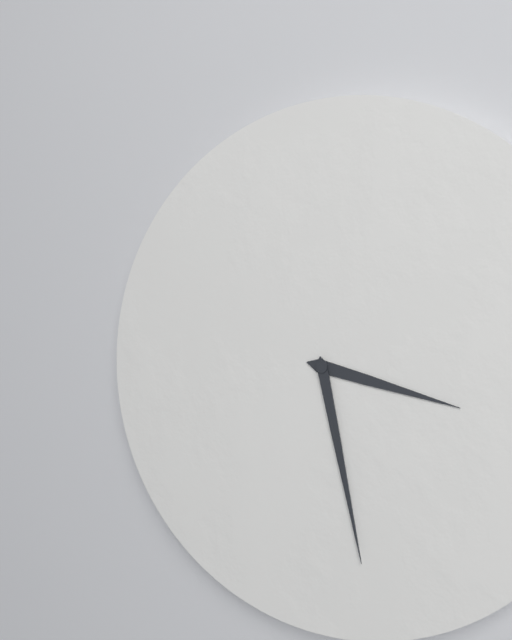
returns 3,28
